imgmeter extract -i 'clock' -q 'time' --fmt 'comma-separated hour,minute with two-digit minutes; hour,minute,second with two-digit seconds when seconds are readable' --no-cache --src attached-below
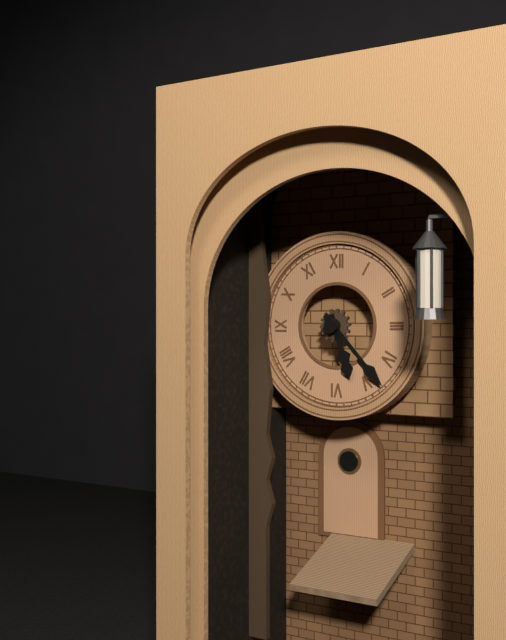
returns 5,23
